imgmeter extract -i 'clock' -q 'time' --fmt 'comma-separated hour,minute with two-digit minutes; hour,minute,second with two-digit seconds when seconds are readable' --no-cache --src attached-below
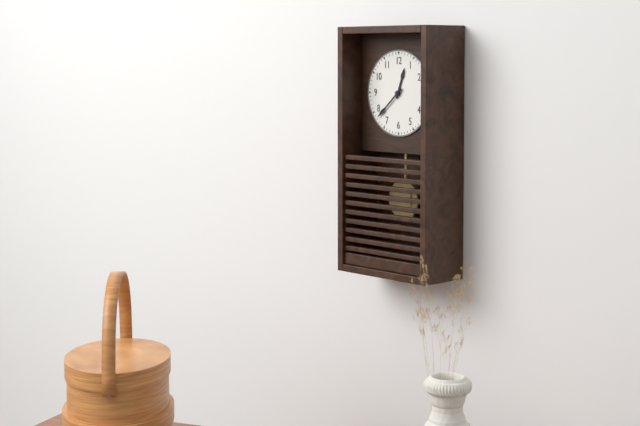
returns 12,38
